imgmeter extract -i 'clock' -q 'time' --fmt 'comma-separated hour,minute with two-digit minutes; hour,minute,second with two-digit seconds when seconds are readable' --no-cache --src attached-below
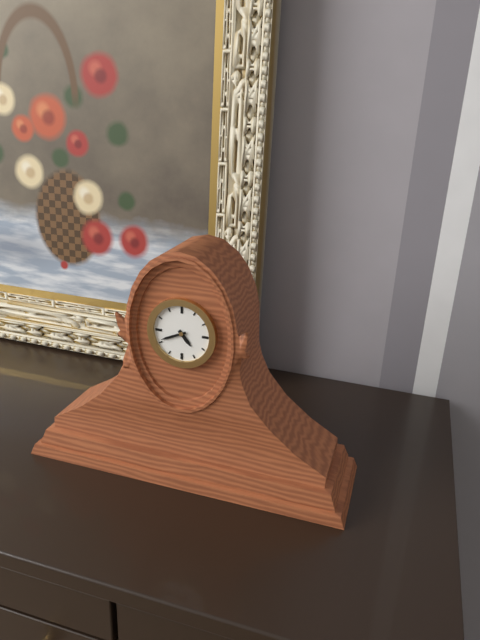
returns 4,41
